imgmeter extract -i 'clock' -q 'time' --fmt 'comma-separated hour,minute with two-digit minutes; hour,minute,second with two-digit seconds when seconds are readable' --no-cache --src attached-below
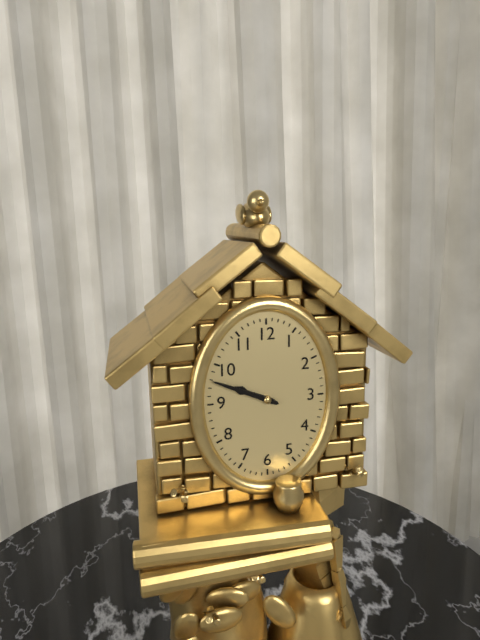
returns 9,49
